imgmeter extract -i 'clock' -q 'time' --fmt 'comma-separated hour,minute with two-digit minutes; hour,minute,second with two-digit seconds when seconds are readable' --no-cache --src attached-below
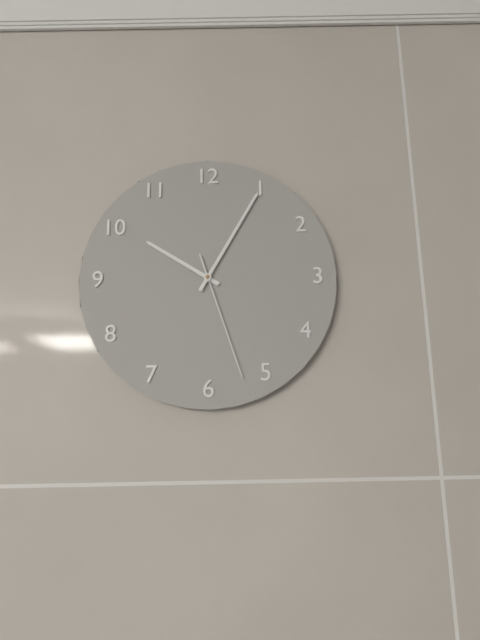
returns 10,05,27
